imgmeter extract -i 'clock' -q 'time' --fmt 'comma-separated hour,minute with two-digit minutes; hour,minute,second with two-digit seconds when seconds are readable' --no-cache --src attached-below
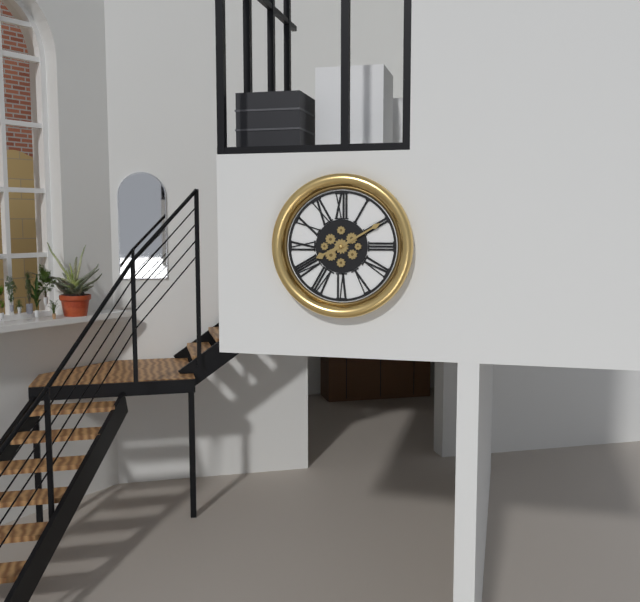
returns 8,10
